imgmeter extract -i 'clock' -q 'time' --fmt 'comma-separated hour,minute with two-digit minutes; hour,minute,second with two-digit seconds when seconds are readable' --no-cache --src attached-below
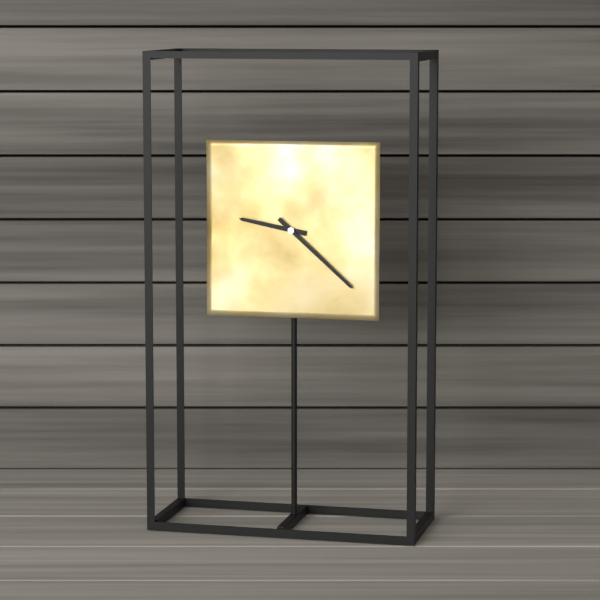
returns 9,22
